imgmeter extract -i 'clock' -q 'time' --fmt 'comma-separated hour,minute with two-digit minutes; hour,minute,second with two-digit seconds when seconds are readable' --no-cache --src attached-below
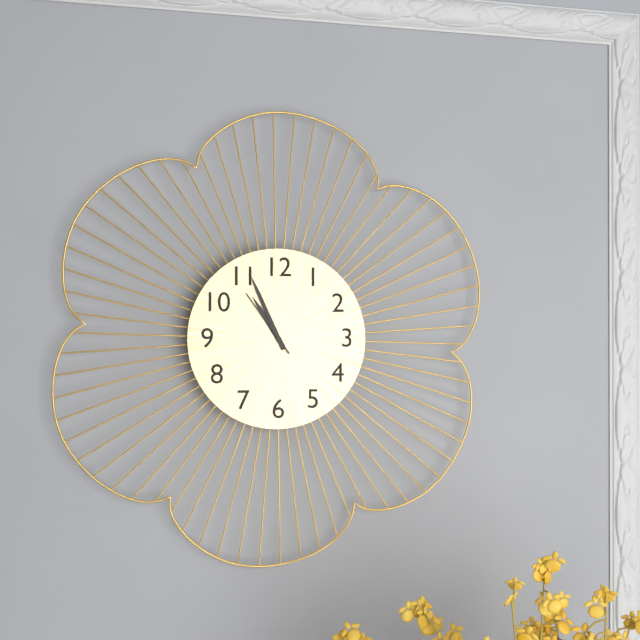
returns 10,56,54
